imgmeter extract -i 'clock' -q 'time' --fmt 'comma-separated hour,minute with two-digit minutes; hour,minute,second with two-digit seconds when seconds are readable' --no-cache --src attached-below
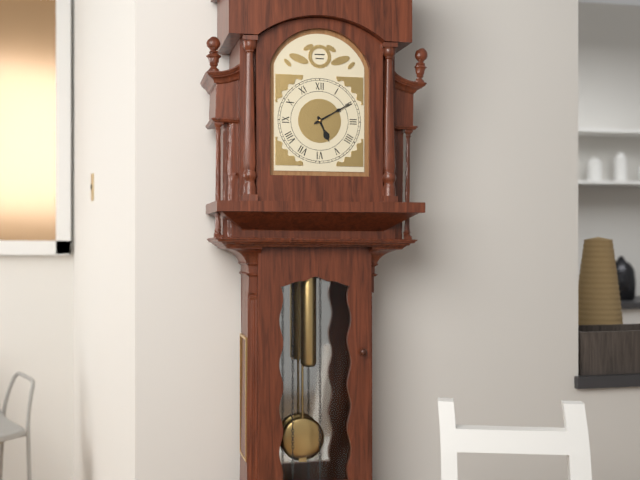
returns 5,10
